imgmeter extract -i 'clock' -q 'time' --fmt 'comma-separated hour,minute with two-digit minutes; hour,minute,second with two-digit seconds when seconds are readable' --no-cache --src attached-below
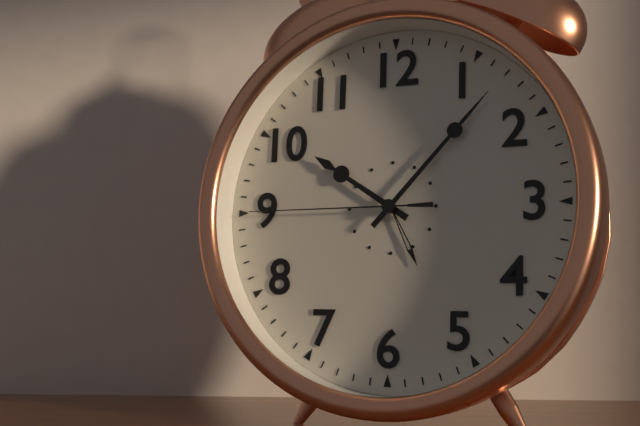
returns 10,07,45
